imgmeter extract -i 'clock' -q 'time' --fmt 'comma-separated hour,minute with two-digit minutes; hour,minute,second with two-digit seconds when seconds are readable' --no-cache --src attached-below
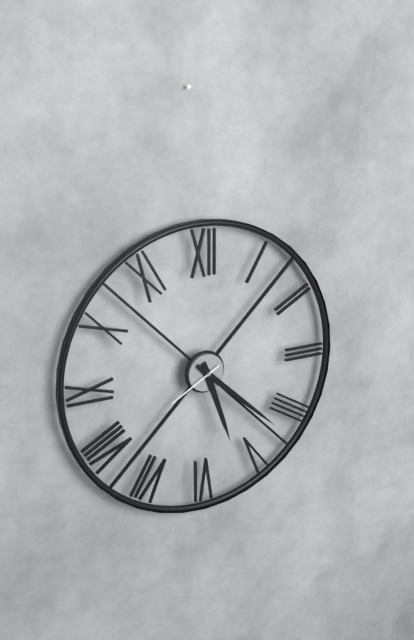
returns 5,22,40
